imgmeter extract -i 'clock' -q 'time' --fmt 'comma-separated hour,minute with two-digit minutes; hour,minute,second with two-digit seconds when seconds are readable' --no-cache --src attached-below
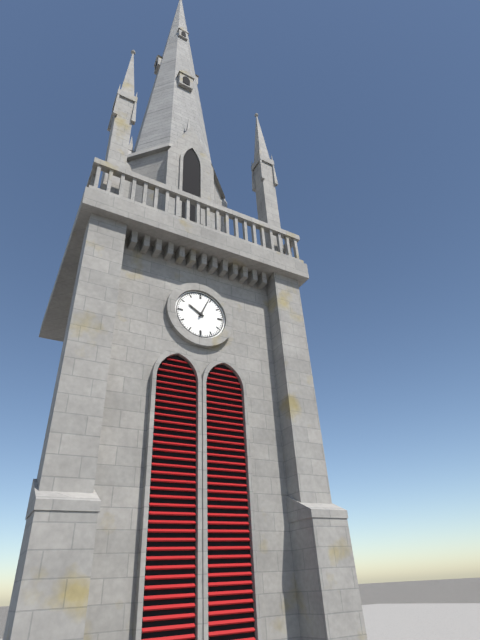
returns 10,04
